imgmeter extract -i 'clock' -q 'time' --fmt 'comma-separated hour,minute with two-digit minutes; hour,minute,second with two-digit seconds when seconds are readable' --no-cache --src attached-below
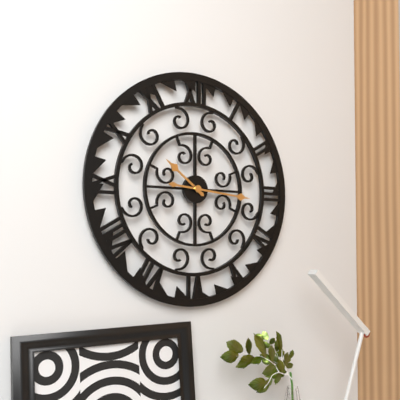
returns 10,16
